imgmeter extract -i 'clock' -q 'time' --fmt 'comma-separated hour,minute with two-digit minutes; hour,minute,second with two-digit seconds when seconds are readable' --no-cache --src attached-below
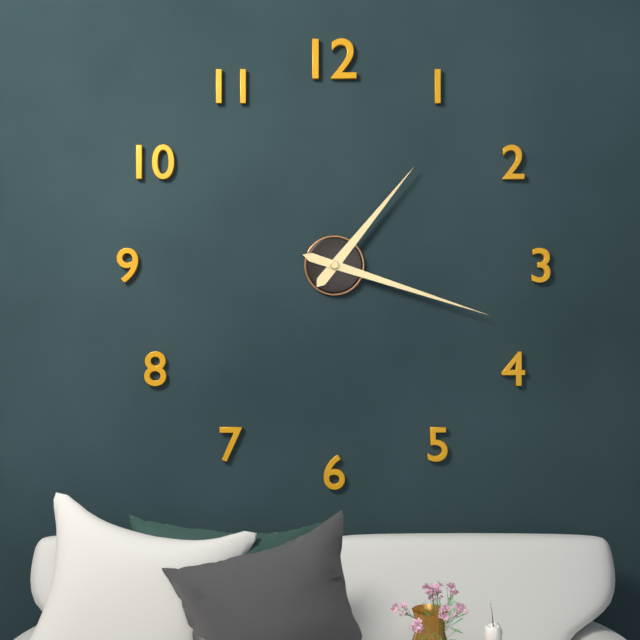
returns 1,18
